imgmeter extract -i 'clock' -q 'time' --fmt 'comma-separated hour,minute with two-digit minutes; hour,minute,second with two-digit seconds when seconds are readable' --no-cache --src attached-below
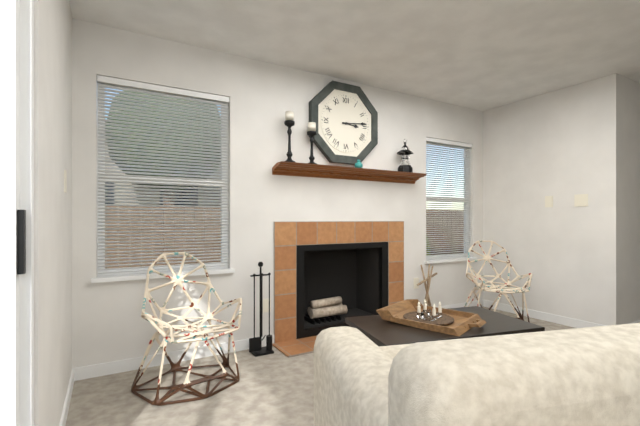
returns 3,14
